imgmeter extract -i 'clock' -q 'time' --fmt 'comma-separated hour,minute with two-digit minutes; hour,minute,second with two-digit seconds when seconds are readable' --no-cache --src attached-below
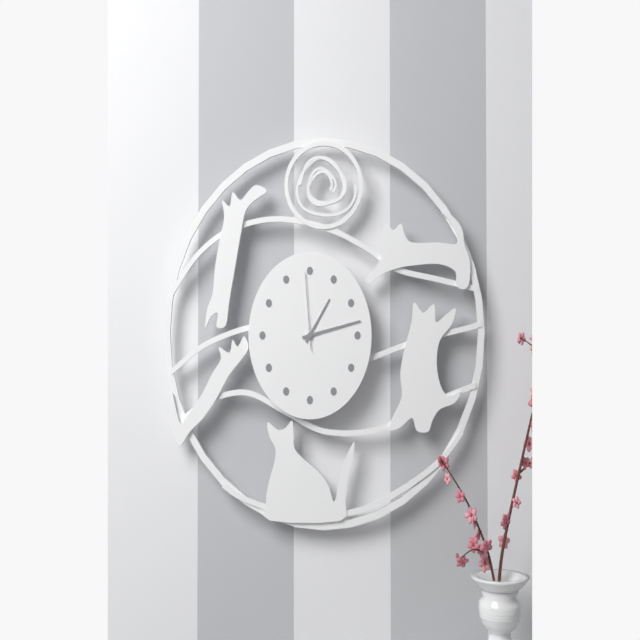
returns 1,13,59
